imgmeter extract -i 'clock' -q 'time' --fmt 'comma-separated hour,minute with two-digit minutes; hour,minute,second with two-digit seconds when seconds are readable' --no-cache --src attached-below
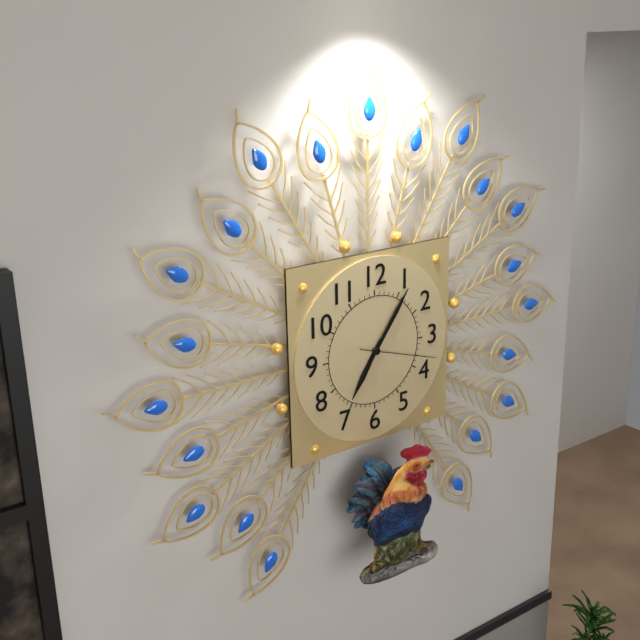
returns 7,06,18
